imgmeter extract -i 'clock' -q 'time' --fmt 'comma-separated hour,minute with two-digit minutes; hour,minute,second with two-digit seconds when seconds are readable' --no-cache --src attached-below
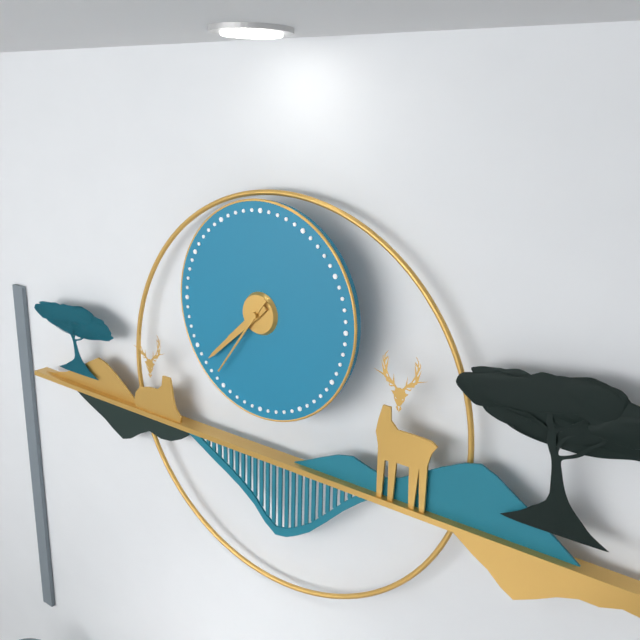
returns 7,38,36
